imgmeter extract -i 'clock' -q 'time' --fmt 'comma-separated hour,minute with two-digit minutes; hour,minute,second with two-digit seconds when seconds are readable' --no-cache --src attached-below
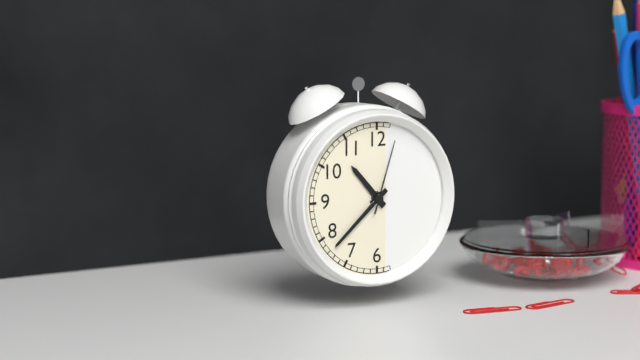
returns 10,38,03
